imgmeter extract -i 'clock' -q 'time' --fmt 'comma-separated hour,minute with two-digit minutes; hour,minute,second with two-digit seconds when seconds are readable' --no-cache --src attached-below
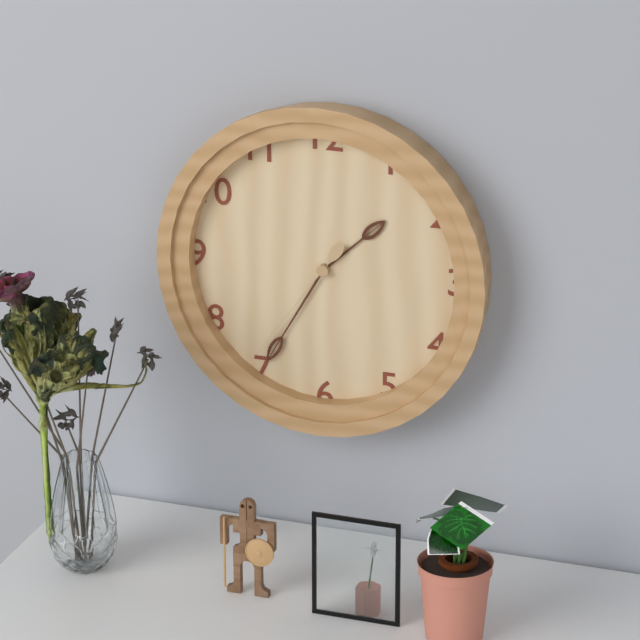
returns 1,35,36
